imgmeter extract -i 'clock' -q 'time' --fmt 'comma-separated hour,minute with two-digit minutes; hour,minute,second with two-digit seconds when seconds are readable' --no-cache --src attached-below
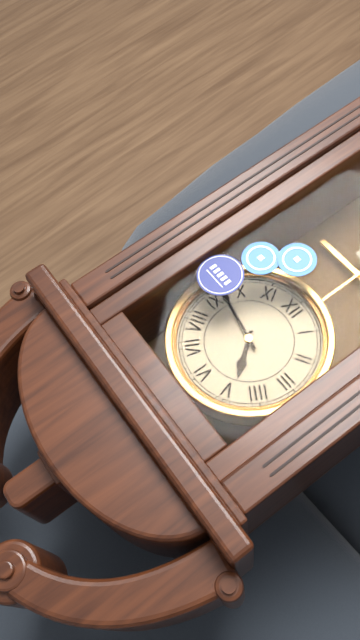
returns 4,47
